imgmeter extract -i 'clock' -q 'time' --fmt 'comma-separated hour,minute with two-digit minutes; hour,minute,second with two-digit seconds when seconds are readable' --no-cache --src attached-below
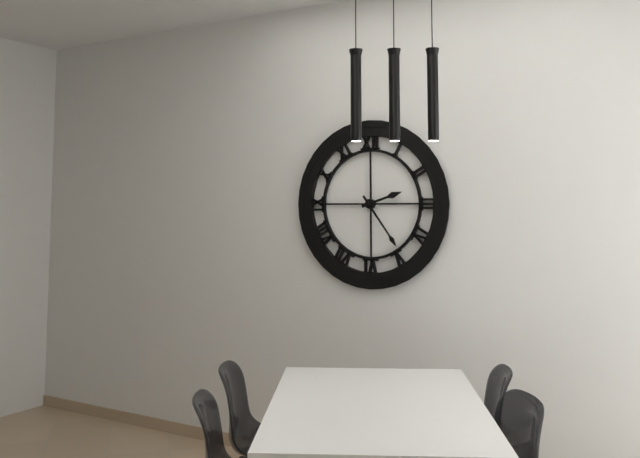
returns 2,24
